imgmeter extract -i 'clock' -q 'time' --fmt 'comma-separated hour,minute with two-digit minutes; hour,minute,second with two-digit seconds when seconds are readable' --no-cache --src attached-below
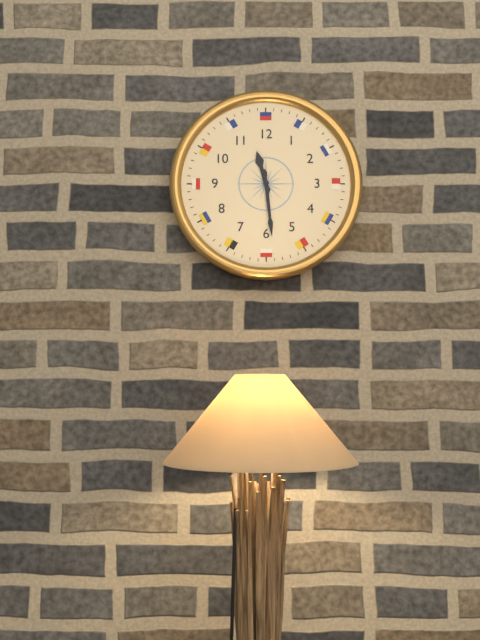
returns 11,29
